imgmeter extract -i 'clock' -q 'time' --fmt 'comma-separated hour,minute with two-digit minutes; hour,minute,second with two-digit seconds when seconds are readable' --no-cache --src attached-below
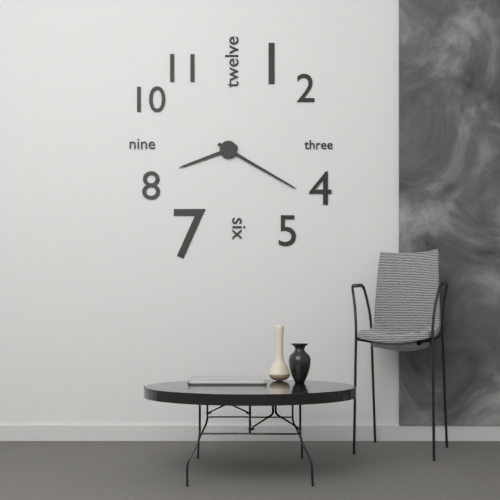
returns 8,20
